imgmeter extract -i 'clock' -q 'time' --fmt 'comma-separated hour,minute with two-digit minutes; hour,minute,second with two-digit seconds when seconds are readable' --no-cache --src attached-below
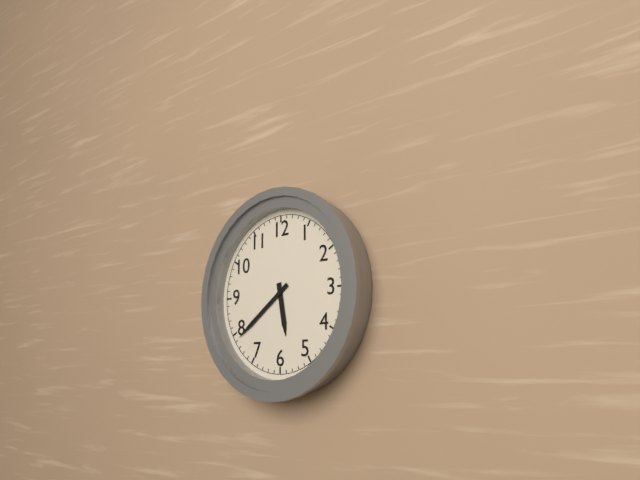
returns 5,39
